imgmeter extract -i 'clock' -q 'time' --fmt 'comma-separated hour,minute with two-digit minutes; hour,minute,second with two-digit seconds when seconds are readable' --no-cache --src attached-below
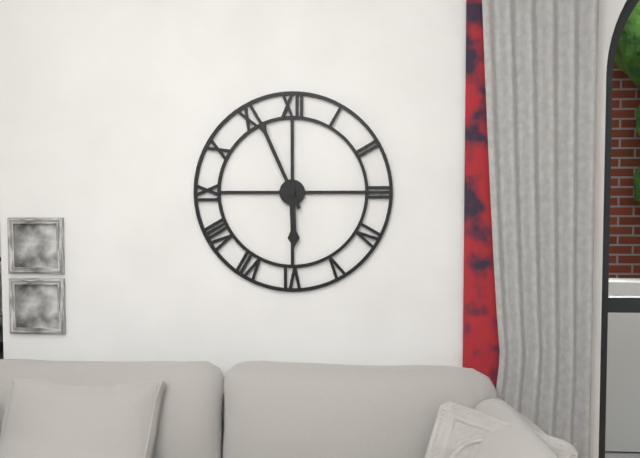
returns 5,56
